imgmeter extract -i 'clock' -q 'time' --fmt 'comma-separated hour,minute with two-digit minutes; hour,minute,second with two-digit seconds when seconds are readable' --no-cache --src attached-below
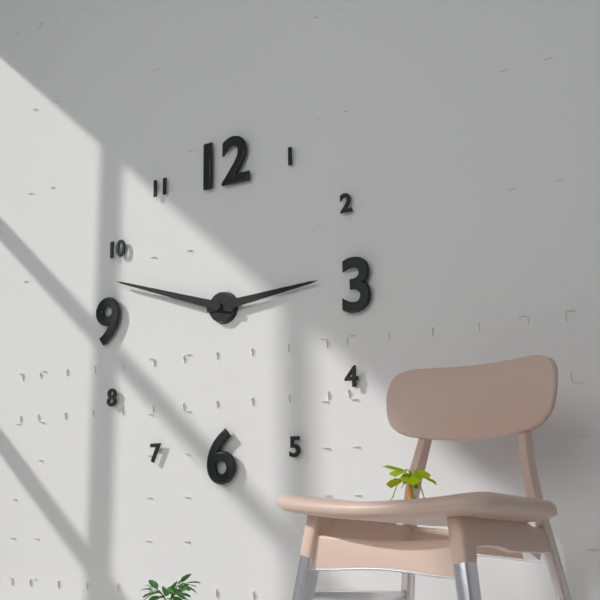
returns 2,48
